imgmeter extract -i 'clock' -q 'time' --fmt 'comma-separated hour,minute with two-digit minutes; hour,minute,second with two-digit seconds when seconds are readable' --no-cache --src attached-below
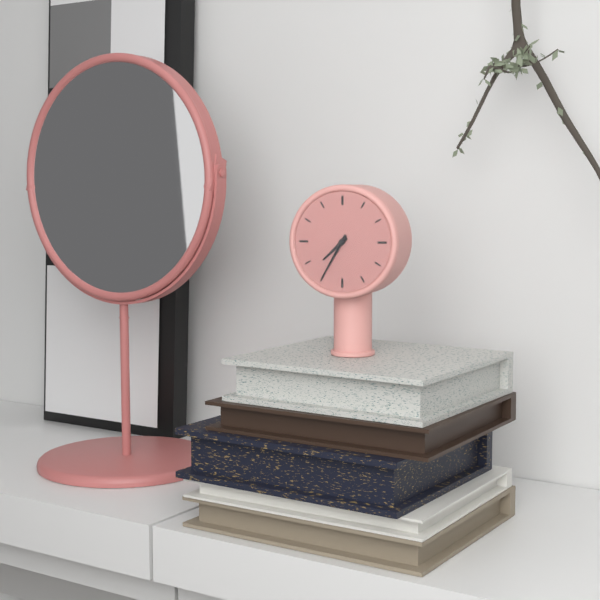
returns 7,35
